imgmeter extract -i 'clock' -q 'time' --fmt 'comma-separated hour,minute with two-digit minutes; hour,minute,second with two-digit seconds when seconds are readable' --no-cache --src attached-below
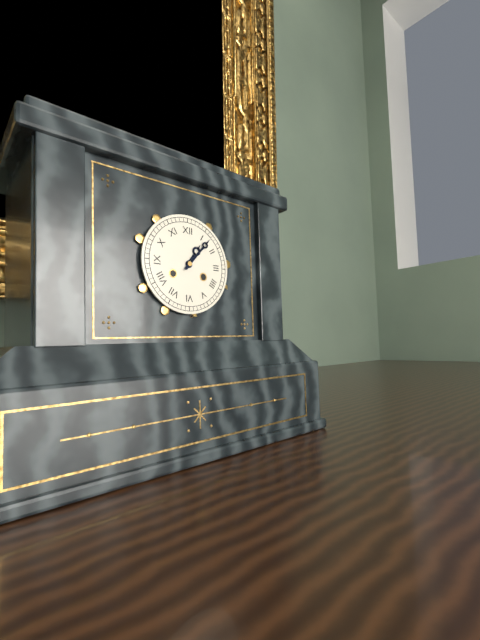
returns 1,07
